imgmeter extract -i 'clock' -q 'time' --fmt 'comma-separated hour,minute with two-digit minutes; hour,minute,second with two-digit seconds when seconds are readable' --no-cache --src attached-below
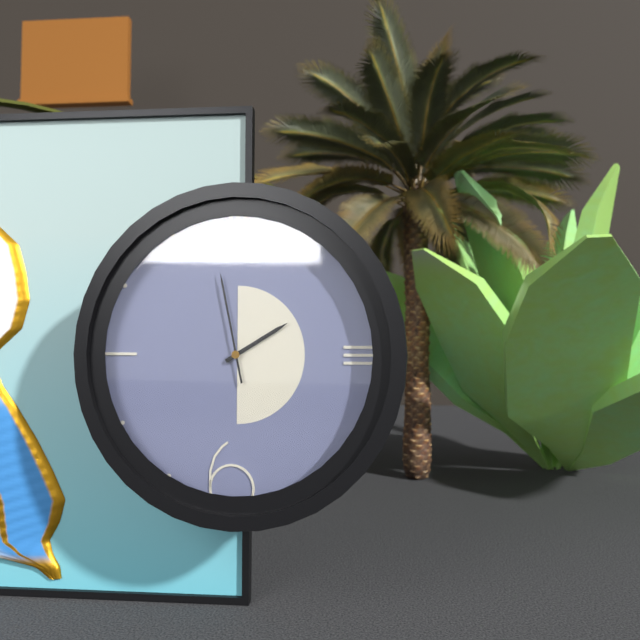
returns 1,58
